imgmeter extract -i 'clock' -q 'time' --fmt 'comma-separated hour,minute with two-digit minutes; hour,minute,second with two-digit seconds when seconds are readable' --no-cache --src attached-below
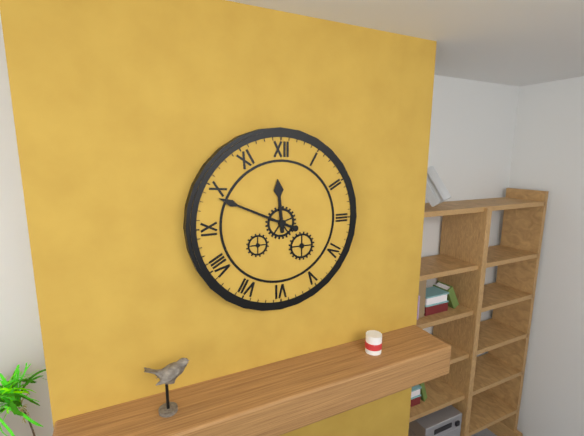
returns 11,49
